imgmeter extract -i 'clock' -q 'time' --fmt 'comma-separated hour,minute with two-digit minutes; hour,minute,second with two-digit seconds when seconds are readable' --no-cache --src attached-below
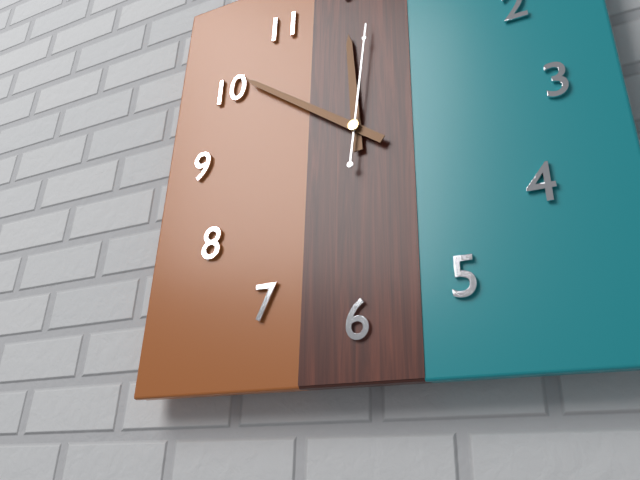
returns 11,51,01
